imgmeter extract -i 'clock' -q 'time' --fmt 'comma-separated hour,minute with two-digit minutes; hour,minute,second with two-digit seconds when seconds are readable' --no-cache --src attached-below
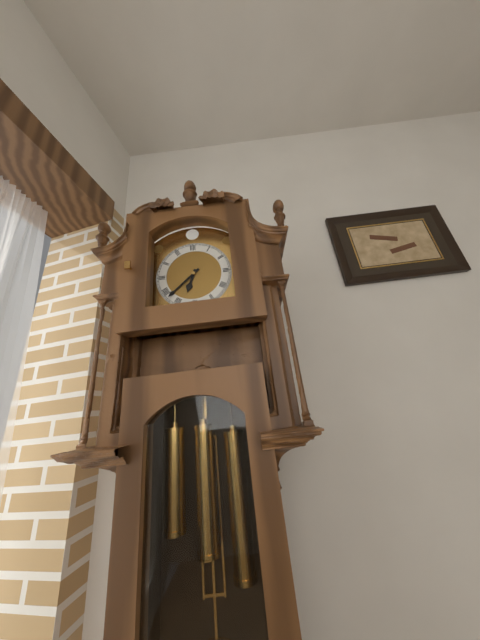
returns 6,38
